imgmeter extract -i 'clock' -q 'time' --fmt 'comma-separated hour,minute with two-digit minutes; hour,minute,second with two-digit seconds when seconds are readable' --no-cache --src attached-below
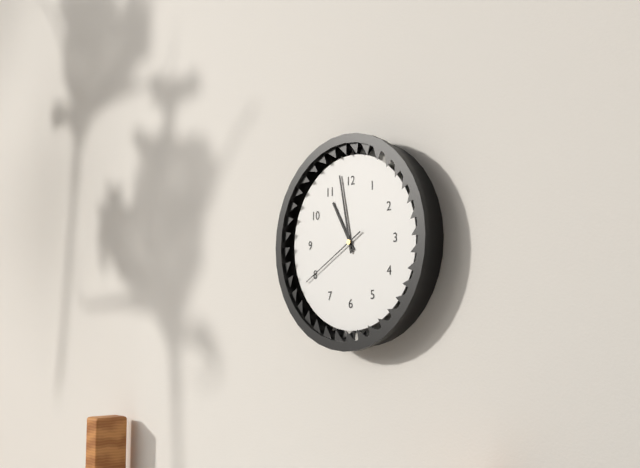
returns 10,58,40
